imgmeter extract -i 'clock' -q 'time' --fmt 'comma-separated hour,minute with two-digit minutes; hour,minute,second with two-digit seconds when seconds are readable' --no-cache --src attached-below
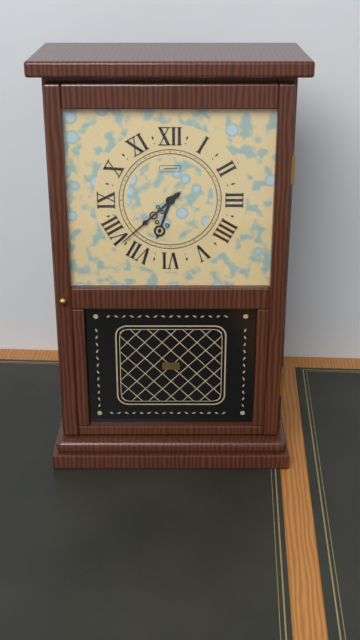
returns 6,38
